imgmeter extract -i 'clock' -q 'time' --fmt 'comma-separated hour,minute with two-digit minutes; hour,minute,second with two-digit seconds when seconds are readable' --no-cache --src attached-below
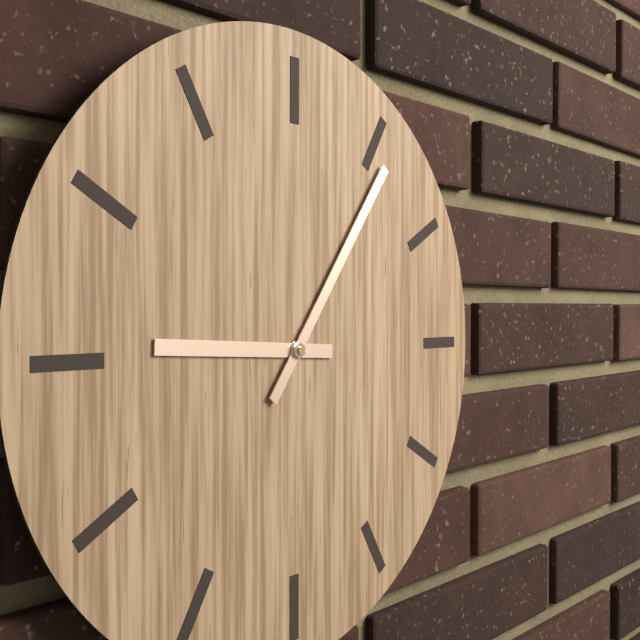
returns 9,06
